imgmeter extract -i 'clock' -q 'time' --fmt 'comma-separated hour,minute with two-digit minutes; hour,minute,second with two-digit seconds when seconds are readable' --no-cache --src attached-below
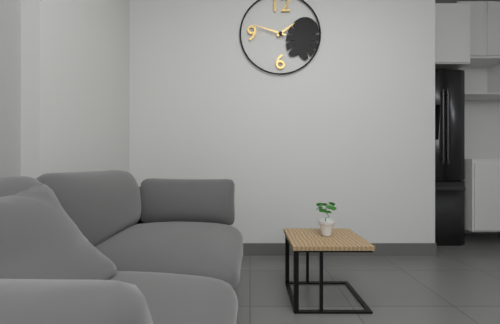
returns 1,48
